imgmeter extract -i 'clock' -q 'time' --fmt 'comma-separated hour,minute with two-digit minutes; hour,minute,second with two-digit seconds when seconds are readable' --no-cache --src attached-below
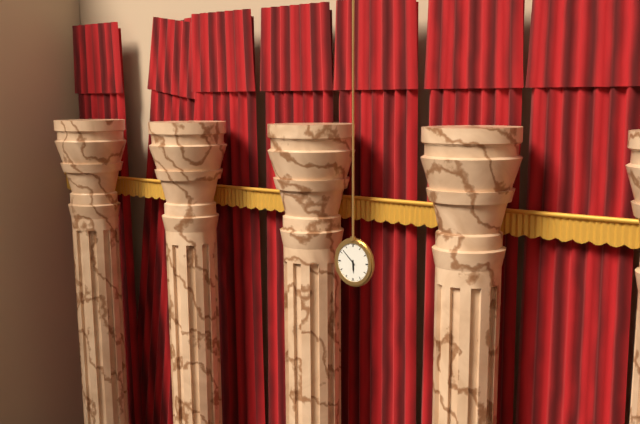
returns 5,52
